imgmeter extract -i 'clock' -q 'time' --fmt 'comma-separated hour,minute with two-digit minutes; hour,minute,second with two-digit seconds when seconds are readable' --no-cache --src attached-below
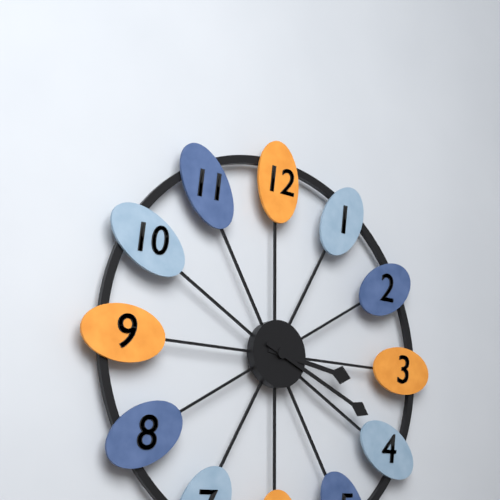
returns 3,19
